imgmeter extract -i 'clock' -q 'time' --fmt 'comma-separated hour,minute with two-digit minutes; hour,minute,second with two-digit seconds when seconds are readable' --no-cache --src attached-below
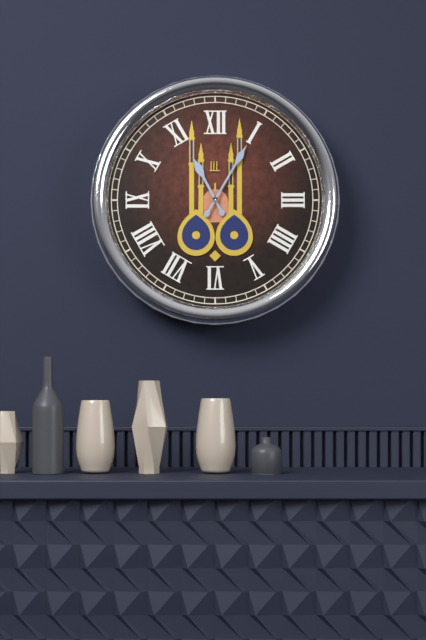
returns 11,05
